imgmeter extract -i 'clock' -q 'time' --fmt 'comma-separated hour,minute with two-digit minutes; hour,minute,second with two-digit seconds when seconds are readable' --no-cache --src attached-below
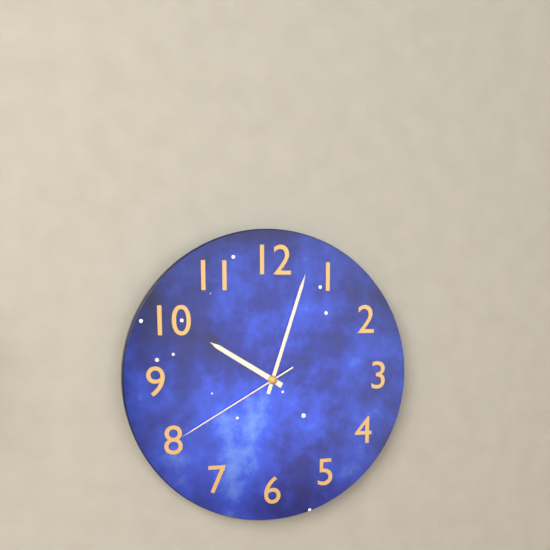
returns 10,03,40
